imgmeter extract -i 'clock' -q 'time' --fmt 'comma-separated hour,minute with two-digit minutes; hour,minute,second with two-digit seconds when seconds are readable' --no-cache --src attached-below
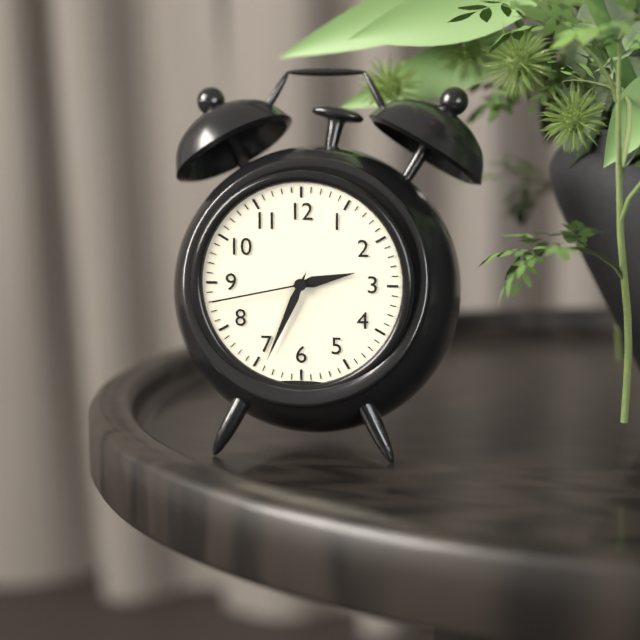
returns 2,34,43
